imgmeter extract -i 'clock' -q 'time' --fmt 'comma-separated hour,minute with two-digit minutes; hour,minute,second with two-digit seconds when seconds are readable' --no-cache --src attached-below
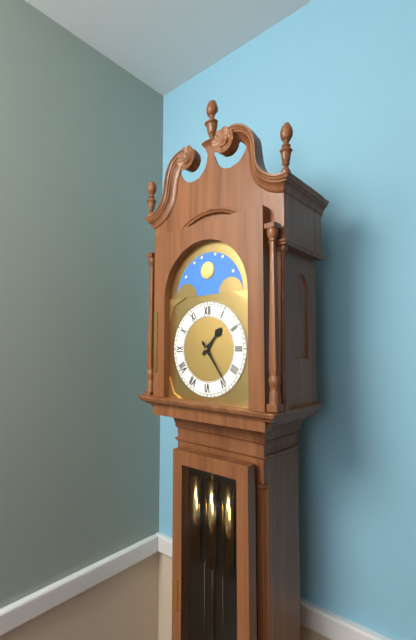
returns 1,24
